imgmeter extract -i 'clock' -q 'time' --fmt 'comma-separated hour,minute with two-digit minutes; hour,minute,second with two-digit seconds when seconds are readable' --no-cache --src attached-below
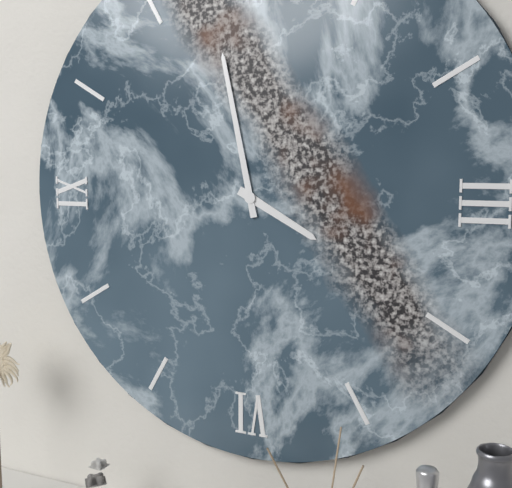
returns 3,58
